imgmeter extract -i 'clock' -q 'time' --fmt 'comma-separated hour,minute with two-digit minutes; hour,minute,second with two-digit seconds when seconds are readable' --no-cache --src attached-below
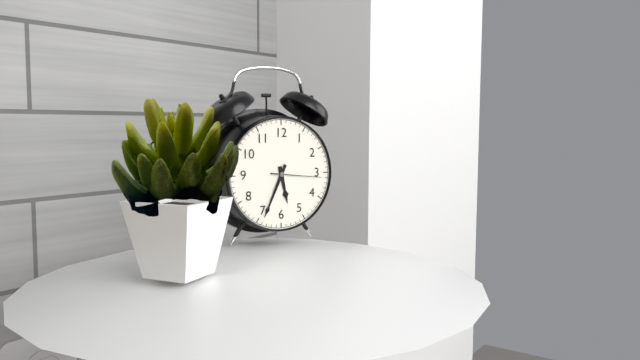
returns 5,34,16
